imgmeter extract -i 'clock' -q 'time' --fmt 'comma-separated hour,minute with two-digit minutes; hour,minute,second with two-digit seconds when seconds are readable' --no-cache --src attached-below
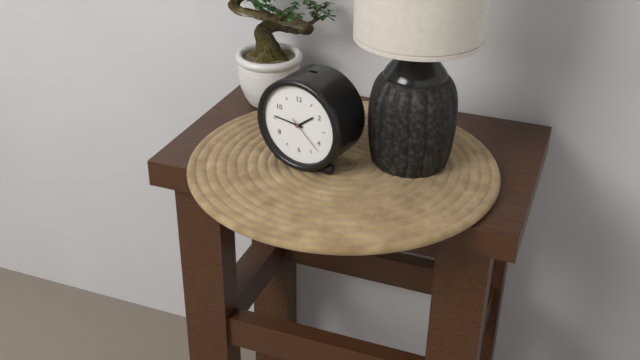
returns 1,46
